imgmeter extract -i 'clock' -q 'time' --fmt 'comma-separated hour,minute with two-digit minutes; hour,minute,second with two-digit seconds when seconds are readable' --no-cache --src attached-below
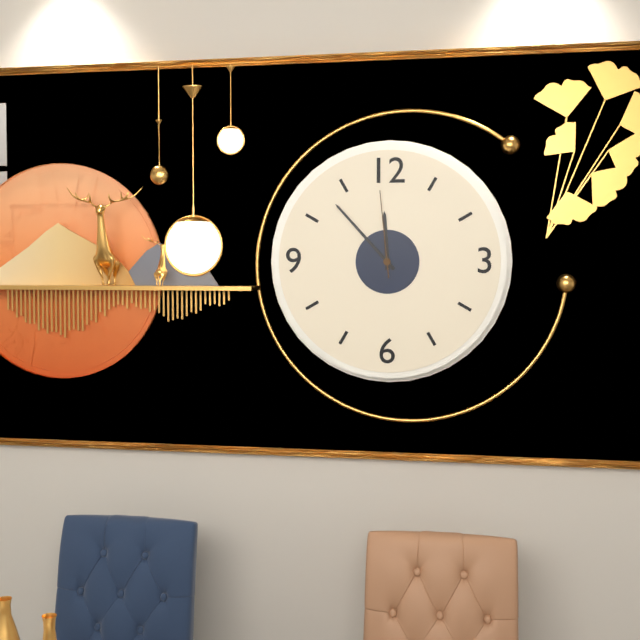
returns 11,53,59
